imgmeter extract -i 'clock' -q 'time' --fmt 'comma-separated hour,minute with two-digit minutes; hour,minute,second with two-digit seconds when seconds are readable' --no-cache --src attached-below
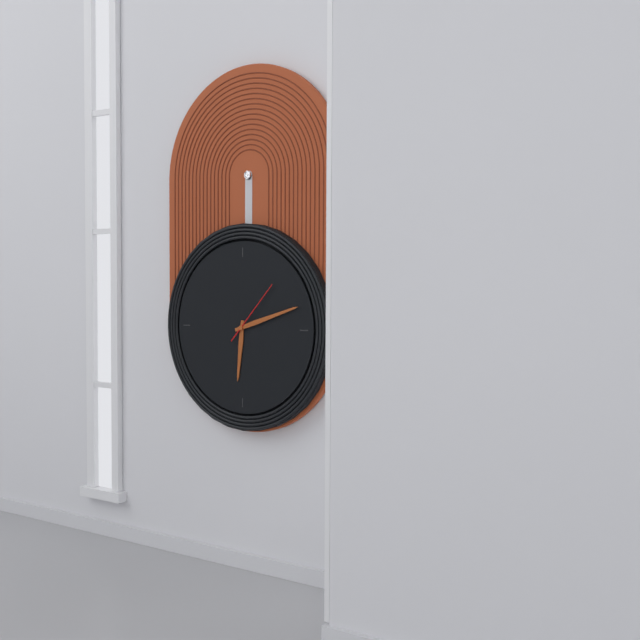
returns 6,12,07
